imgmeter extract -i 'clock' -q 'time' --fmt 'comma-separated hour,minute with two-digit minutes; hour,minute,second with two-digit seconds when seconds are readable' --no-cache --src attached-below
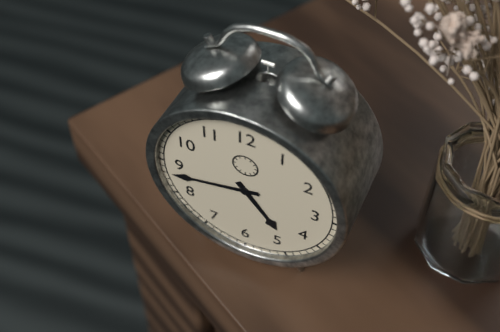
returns 4,43
